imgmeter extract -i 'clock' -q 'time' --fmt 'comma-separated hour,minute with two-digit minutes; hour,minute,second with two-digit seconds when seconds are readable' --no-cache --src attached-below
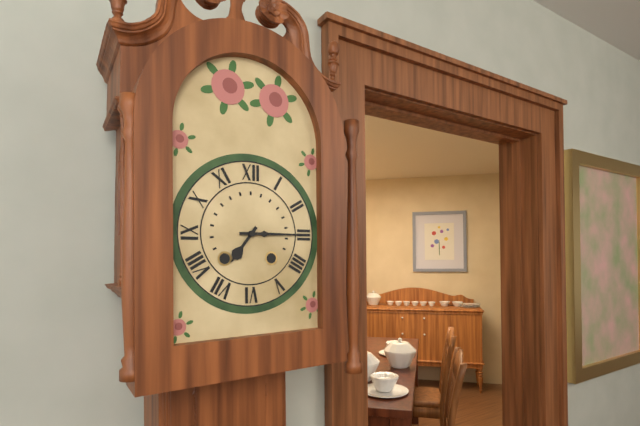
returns 7,15
